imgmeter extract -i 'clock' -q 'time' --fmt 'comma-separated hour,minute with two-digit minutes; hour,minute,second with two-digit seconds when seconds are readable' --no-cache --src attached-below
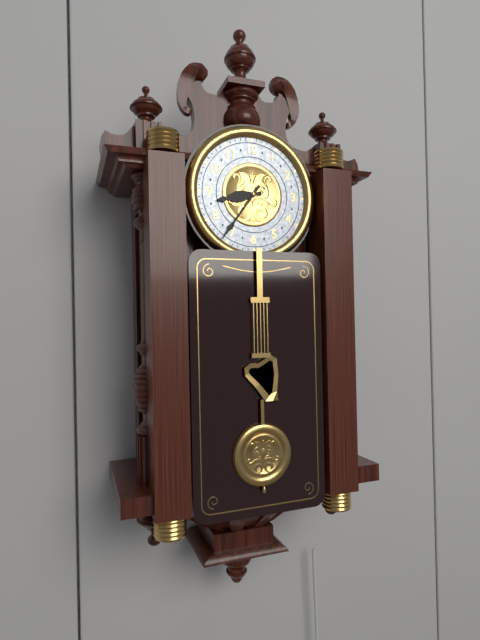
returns 8,36
